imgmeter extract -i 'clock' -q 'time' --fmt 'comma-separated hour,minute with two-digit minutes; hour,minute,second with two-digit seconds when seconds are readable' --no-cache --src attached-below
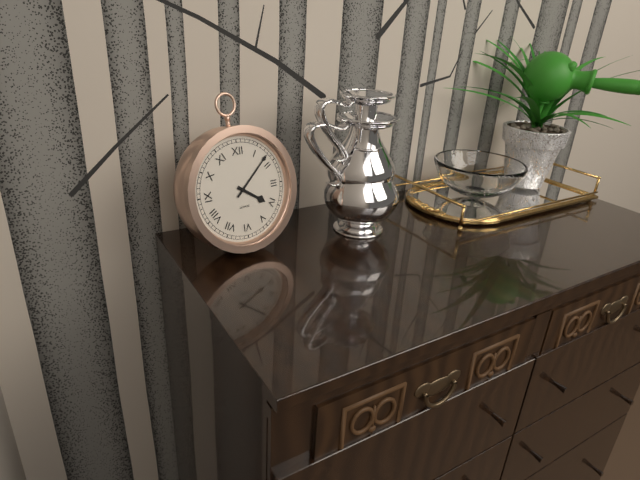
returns 4,08
